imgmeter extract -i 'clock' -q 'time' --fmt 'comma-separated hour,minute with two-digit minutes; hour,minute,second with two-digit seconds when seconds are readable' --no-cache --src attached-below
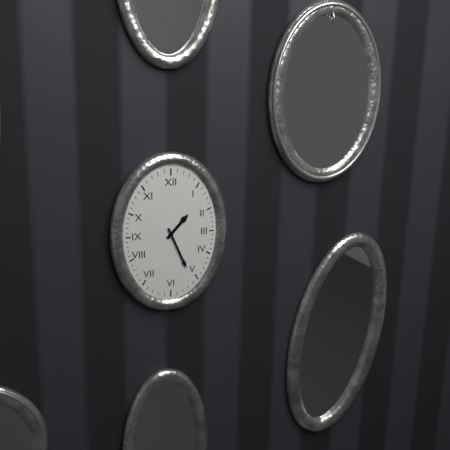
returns 1,26
